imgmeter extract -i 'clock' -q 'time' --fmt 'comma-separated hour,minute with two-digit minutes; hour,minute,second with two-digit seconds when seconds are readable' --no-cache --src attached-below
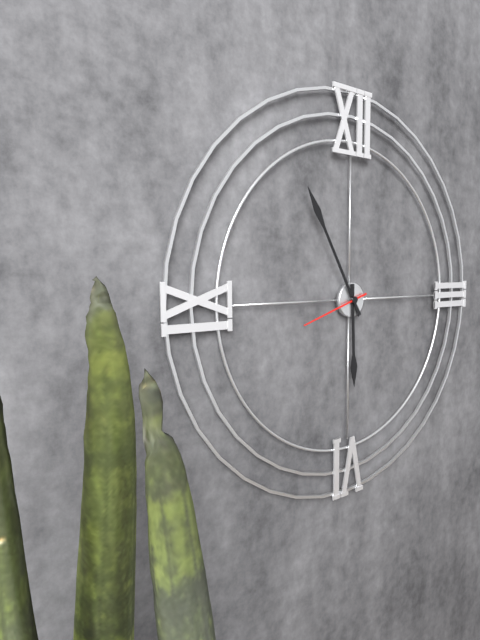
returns 5,55,42
